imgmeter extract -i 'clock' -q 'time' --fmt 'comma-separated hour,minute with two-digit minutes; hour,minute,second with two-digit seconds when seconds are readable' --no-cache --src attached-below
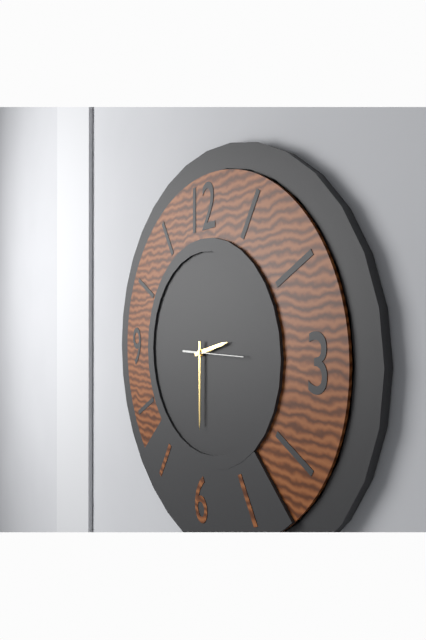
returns 2,30
